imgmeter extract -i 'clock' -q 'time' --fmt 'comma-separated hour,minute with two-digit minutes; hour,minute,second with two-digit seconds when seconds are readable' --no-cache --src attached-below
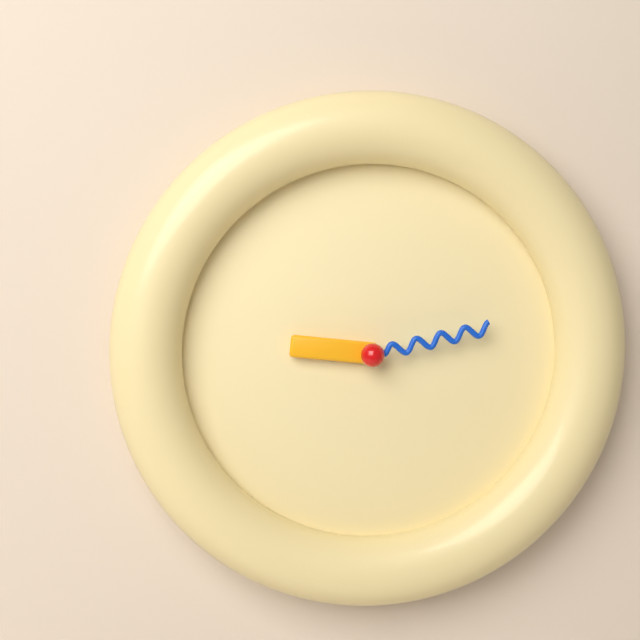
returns 9,13
